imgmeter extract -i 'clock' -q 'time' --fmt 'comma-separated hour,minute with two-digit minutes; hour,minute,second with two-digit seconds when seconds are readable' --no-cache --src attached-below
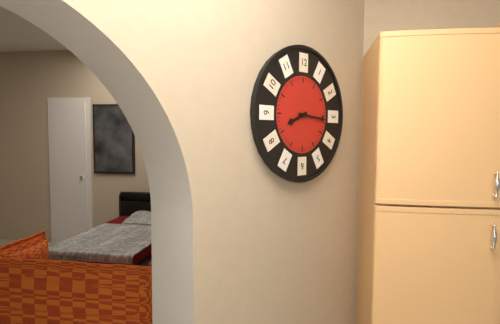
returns 8,16
